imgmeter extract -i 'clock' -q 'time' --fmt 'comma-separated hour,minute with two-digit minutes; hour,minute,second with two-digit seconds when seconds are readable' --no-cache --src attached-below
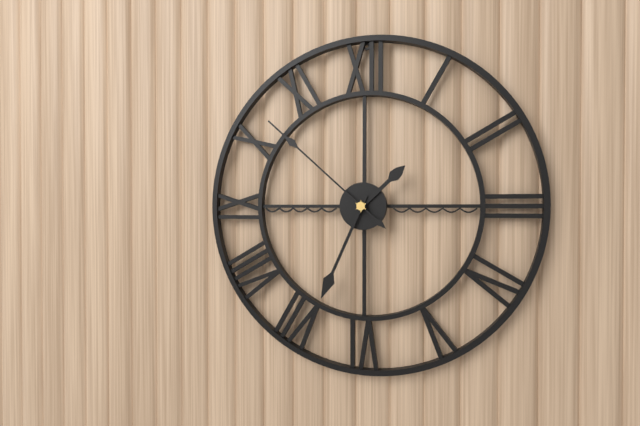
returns 1,34,52
